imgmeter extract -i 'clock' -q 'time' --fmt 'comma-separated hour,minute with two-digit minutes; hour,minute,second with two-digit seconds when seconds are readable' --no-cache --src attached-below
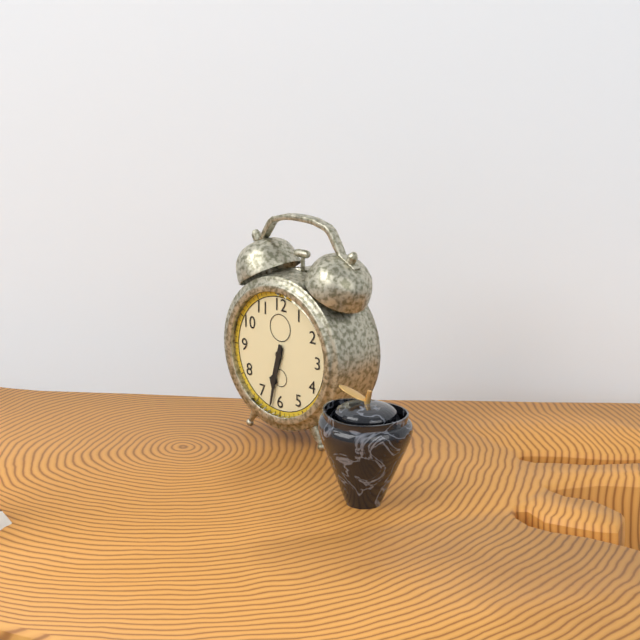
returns 6,32
